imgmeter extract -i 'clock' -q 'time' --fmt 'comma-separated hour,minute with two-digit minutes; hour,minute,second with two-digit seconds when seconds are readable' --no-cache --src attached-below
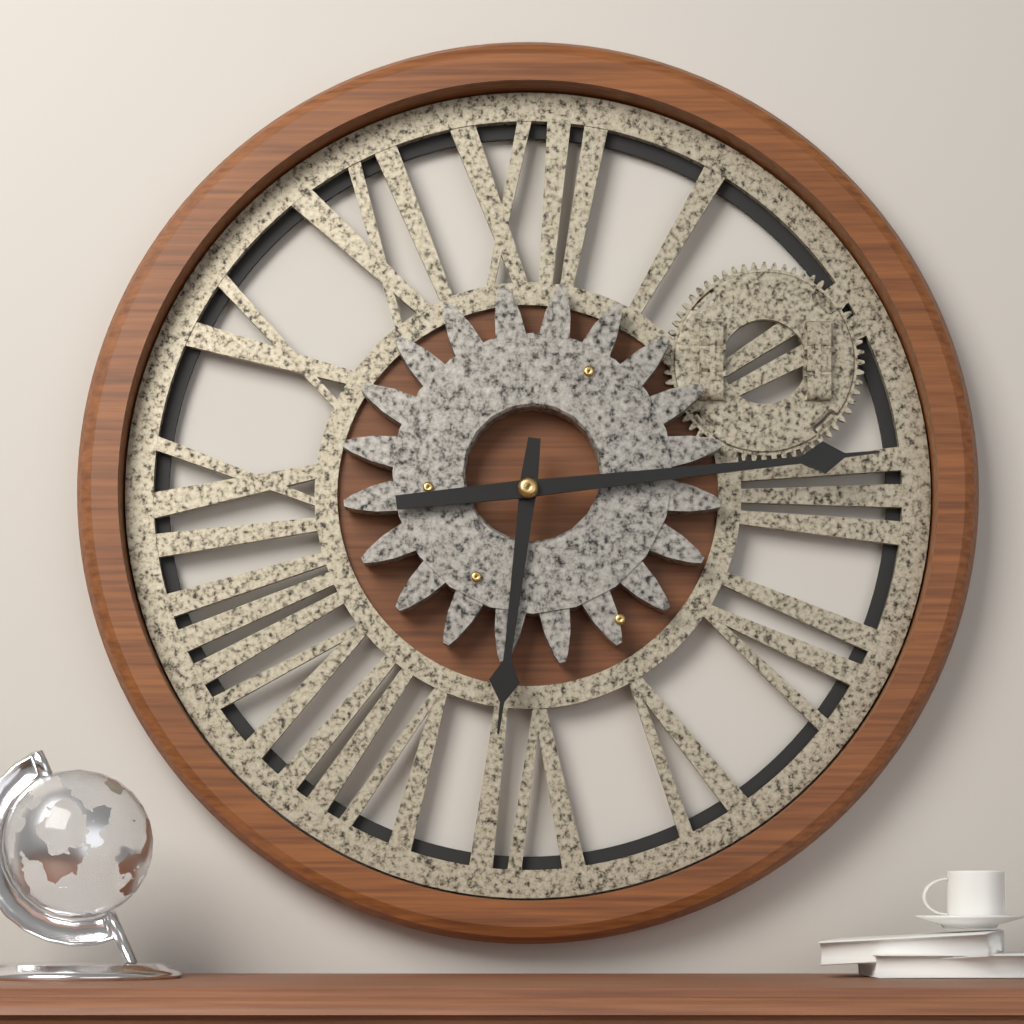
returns 6,14
